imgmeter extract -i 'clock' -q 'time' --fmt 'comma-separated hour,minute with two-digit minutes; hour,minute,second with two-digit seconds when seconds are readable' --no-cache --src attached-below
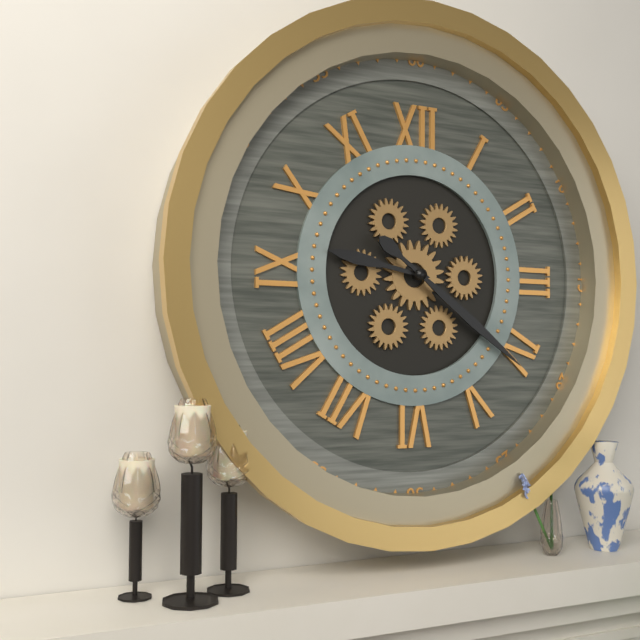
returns 9,21
